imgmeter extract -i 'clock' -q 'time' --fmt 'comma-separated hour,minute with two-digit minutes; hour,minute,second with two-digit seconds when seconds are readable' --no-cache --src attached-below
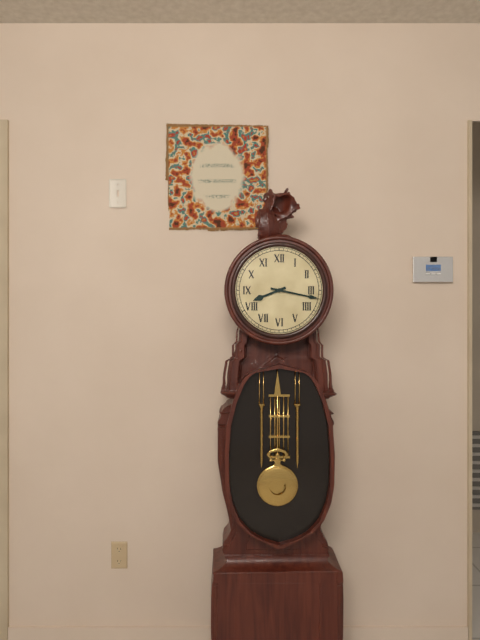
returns 8,17
